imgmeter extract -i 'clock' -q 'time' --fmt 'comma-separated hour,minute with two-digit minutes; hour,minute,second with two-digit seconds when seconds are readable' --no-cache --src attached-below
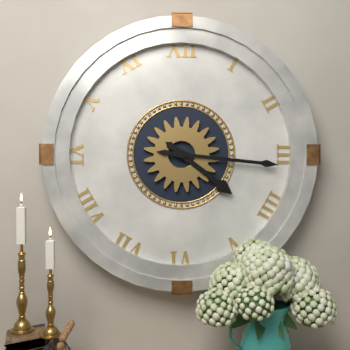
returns 4,16
